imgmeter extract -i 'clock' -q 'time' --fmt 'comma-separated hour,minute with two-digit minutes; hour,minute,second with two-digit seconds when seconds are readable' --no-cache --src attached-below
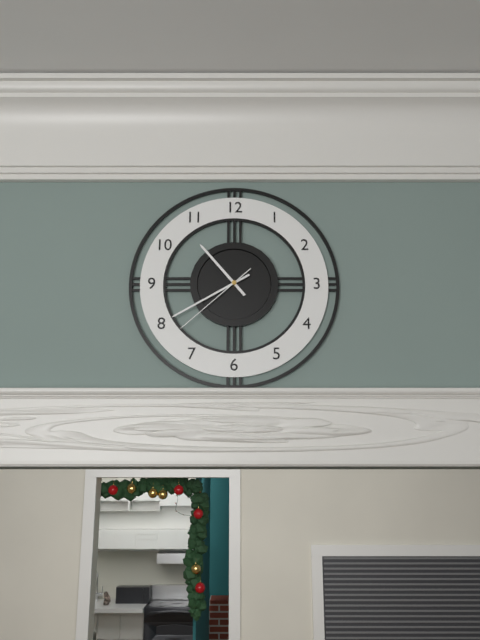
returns 10,40,38
